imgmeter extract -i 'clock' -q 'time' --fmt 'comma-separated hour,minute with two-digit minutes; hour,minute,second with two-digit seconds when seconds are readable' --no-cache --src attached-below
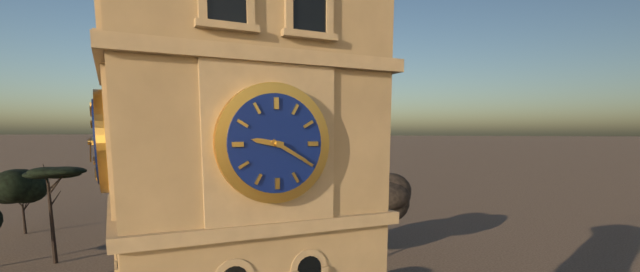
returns 9,20
